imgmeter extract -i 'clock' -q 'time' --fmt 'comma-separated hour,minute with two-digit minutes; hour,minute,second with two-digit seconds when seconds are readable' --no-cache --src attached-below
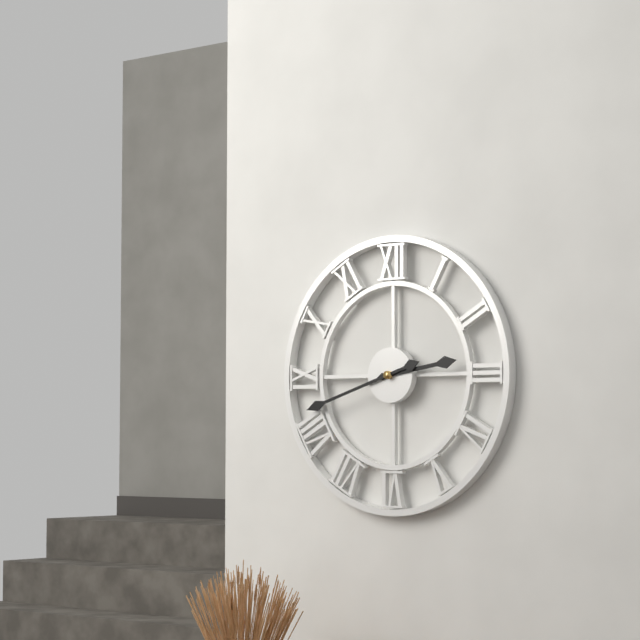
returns 2,42
